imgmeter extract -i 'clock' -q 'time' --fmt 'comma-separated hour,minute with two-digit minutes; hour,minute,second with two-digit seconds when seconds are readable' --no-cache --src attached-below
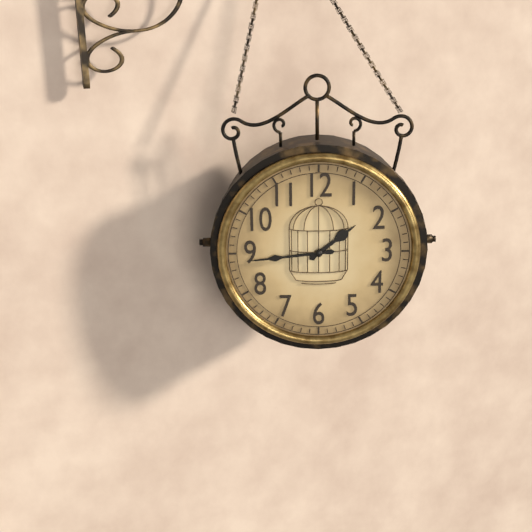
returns 1,44
